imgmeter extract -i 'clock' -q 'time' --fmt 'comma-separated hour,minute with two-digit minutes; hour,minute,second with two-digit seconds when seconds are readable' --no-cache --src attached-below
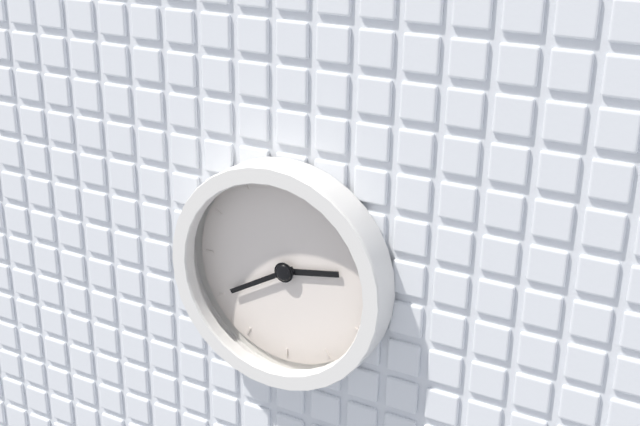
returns 2,40
